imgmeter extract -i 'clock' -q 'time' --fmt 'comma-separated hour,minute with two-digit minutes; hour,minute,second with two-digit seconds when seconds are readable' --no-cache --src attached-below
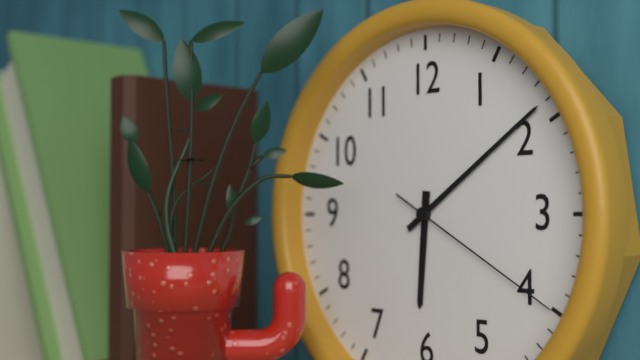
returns 6,09,20
